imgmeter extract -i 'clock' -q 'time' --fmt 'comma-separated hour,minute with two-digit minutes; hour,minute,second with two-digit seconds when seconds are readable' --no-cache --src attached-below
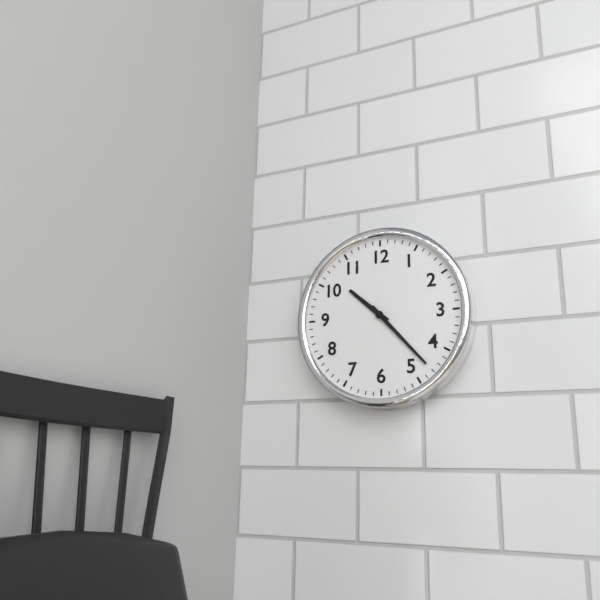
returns 10,23
